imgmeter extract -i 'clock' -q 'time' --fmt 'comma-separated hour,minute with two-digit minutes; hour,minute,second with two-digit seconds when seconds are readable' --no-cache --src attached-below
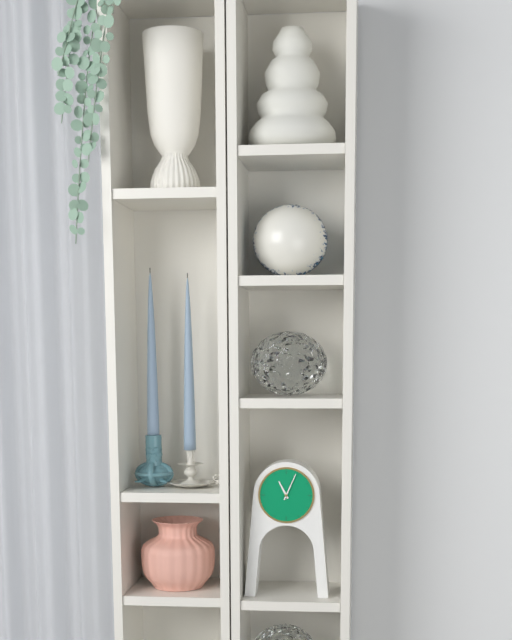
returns 11,04
